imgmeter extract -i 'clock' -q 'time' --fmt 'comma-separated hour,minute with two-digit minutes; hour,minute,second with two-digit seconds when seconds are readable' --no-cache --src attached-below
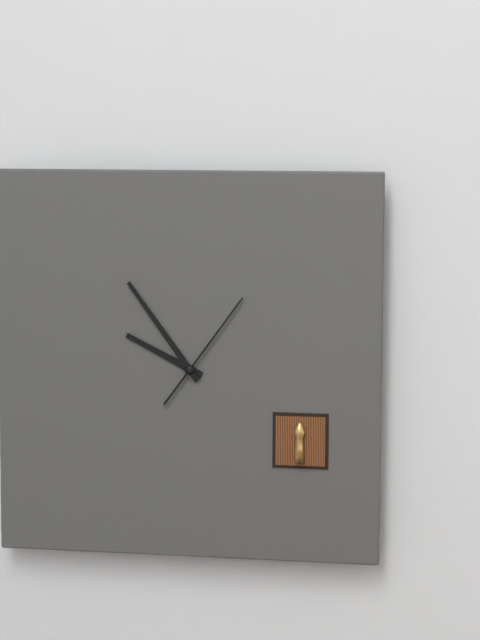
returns 9,54,06
